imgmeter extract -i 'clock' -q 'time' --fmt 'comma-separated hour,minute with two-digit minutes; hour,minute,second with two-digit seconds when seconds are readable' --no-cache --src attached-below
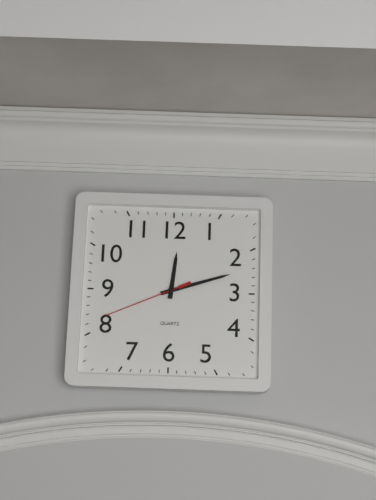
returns 12,12,41
